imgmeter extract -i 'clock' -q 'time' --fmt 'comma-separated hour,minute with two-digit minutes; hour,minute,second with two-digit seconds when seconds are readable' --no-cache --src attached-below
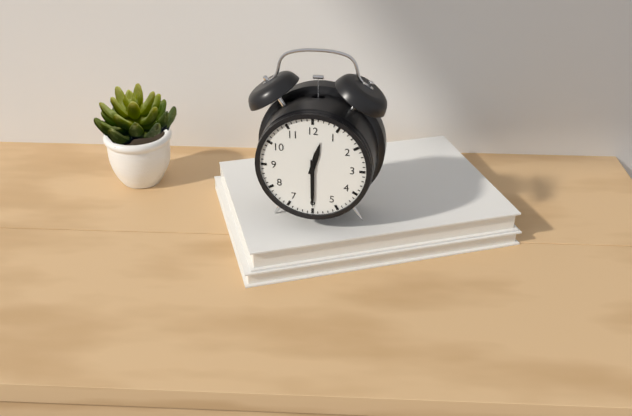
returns 12,30
